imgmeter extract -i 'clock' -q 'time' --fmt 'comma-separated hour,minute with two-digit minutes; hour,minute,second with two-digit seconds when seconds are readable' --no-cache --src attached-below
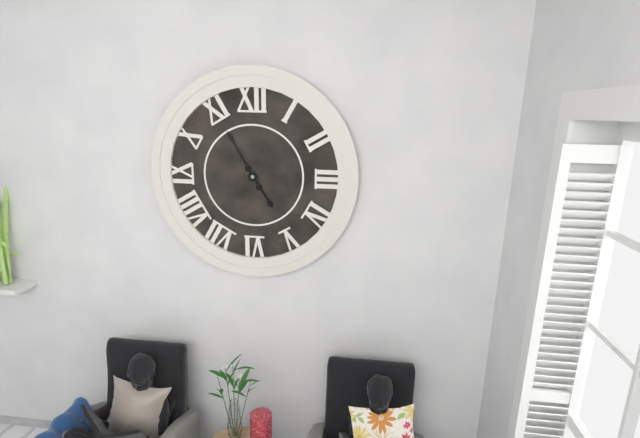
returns 4,55
